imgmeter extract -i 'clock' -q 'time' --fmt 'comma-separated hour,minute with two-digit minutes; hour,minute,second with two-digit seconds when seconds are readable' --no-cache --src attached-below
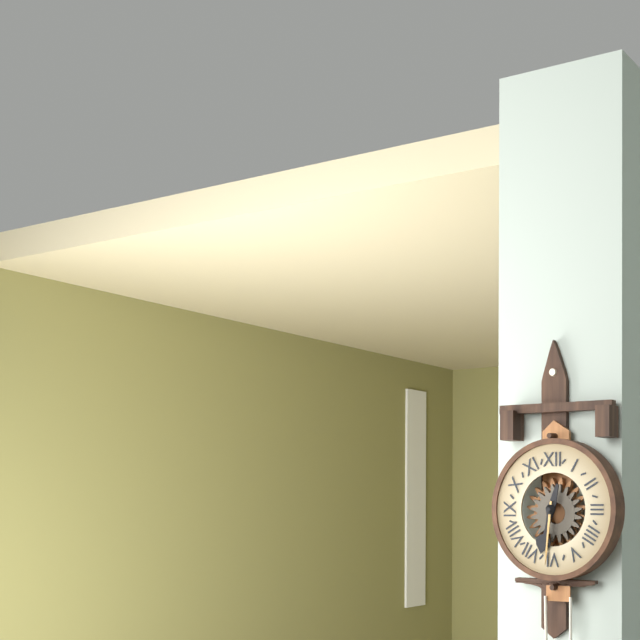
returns 6,31
